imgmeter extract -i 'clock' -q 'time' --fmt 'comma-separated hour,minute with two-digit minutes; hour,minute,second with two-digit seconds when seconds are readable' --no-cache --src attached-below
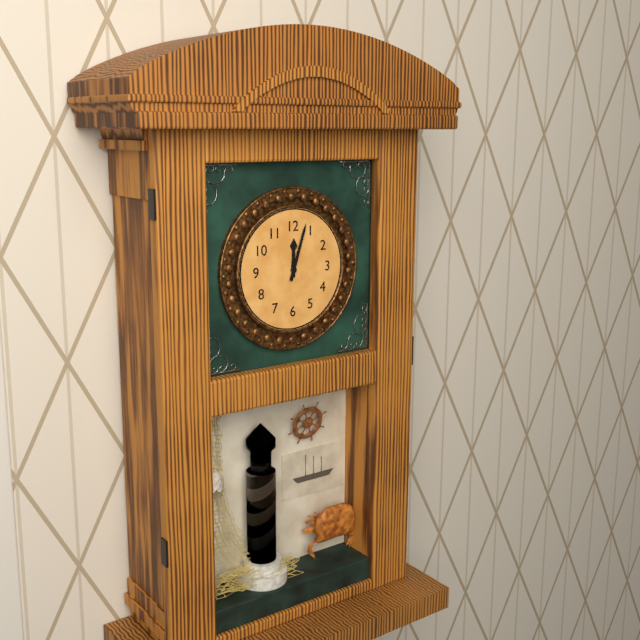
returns 12,03
